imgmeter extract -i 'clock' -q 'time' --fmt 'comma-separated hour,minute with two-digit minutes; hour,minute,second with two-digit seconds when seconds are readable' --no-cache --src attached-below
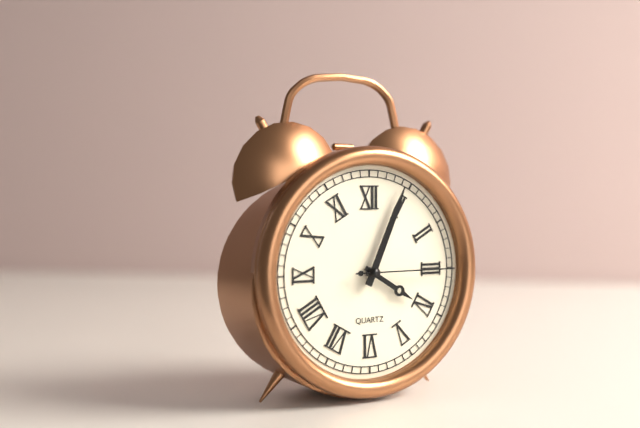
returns 4,04,15
